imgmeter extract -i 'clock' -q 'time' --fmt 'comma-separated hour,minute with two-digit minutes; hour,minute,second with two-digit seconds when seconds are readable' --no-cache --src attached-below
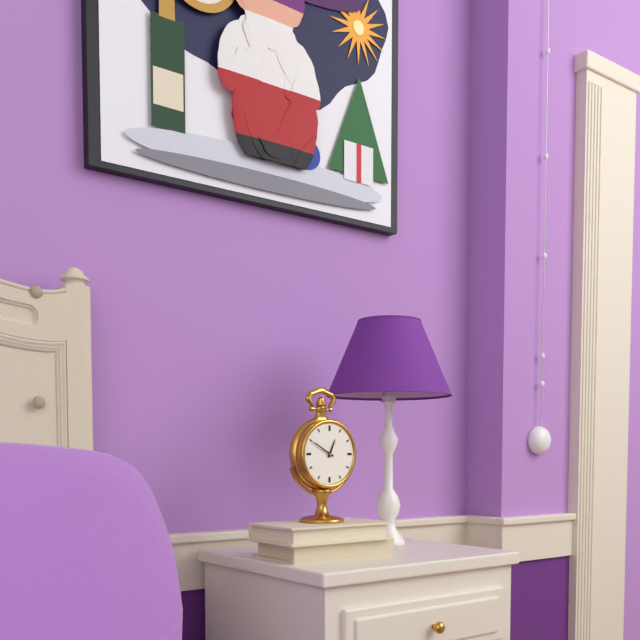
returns 12,50
